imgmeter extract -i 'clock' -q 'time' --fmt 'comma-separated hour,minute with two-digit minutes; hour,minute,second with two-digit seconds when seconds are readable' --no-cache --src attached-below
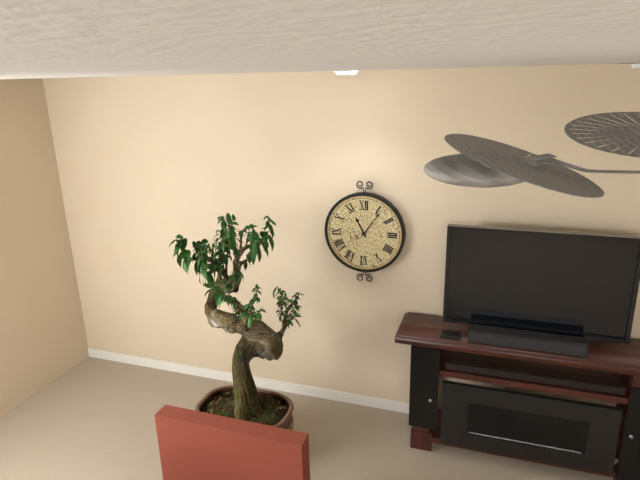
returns 11,06
